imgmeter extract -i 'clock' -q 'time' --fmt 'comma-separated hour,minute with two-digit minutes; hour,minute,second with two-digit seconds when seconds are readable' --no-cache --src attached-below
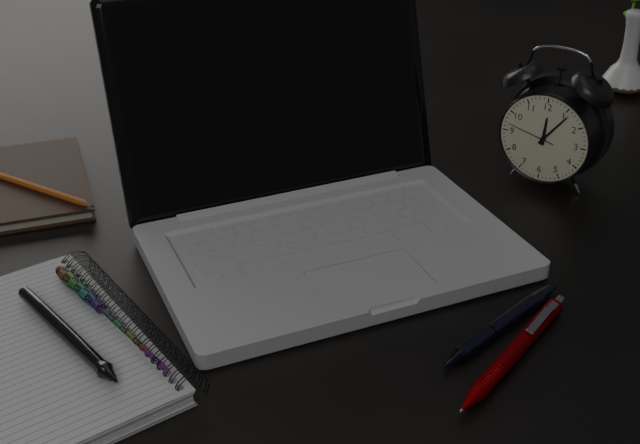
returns 12,06,47
